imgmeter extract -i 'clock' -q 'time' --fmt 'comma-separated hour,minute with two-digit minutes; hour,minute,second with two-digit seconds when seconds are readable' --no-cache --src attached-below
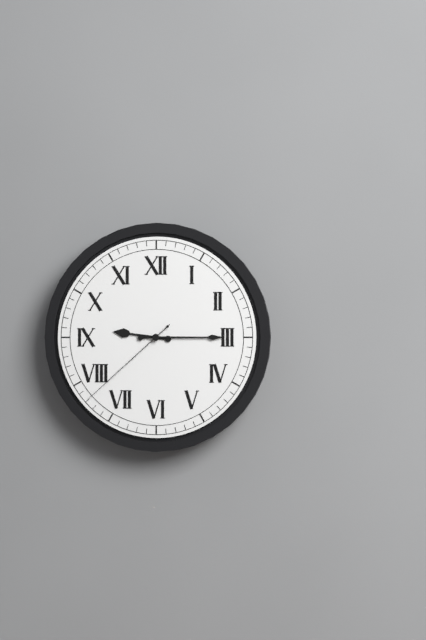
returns 9,15,38
